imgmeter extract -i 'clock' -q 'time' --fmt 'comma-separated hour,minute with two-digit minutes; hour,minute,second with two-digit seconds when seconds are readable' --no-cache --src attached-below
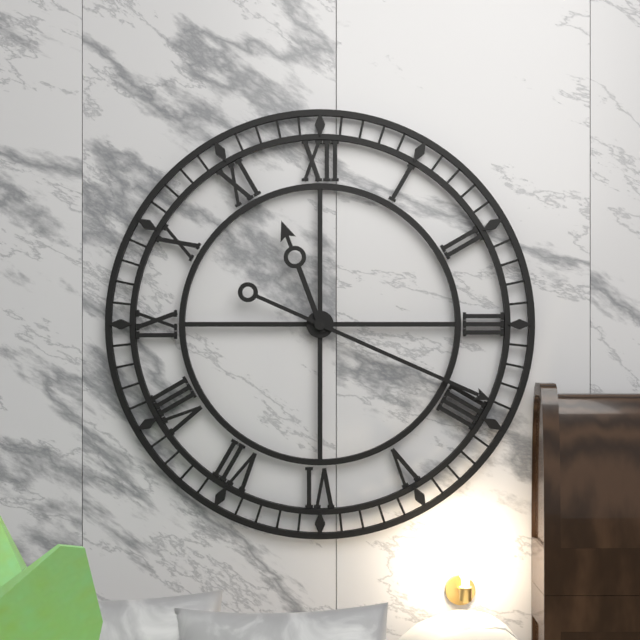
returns 11,19
